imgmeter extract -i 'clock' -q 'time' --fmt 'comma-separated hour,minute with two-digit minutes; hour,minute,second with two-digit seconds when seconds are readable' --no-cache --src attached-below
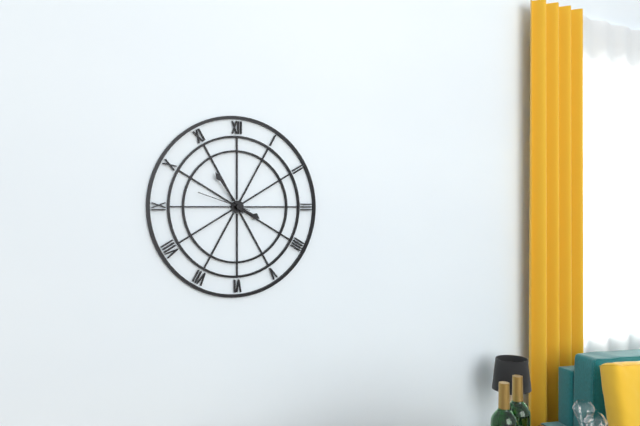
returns 3,54,48
